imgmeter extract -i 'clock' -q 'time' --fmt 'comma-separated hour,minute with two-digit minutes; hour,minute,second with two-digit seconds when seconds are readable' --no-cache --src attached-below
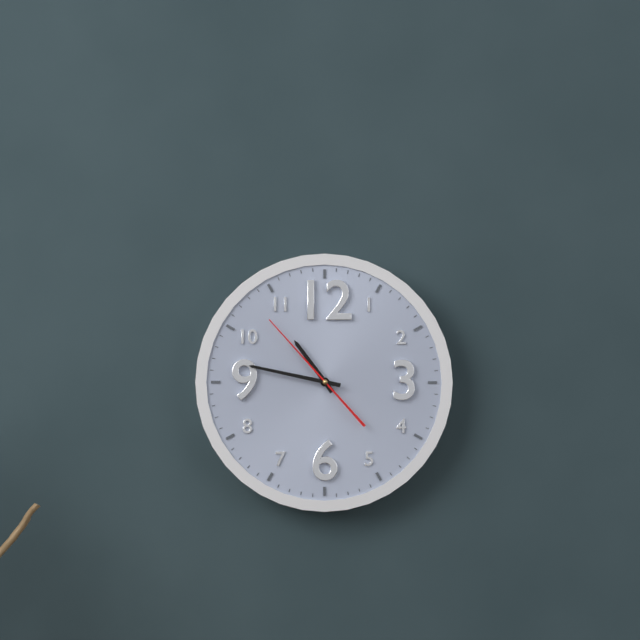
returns 10,47,53
